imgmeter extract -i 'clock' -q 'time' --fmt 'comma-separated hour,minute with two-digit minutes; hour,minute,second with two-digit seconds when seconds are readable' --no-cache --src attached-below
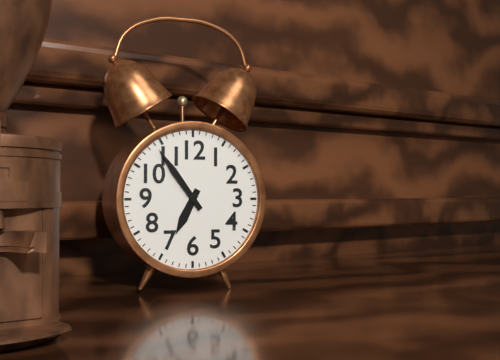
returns 6,54
